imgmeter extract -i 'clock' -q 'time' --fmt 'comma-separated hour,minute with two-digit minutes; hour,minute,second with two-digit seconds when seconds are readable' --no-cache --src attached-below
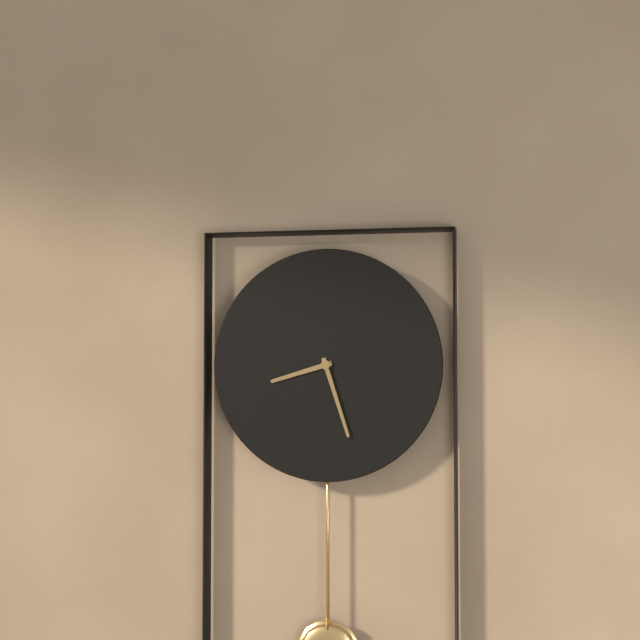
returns 8,27
